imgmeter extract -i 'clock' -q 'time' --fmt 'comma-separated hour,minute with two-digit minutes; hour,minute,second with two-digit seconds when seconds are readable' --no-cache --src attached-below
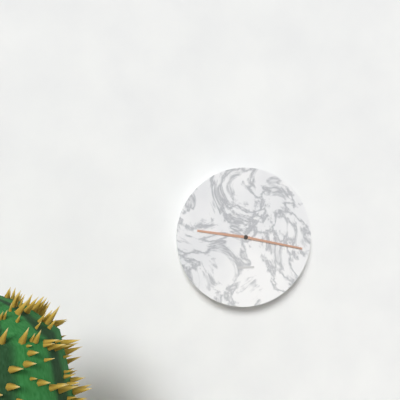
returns 9,17
